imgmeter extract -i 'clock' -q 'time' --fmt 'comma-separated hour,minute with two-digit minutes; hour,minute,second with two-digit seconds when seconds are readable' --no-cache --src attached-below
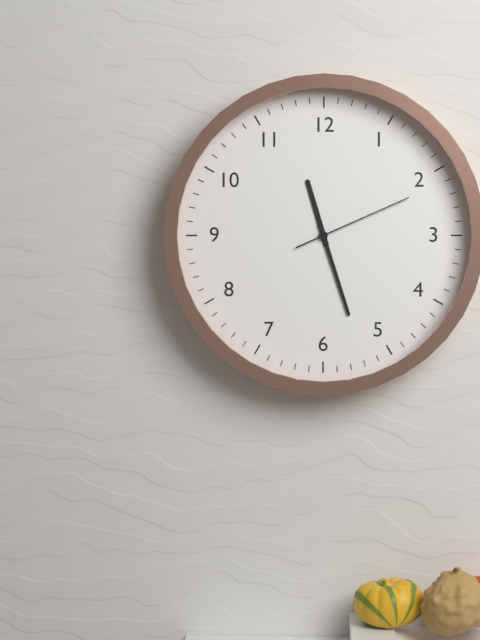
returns 11,27,11
